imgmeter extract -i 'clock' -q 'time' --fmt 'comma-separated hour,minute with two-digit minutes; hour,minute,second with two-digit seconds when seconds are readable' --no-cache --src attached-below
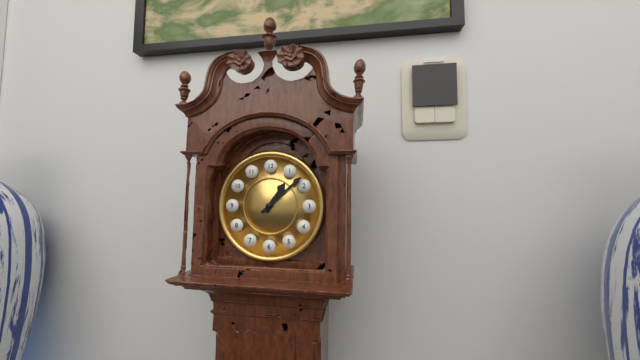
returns 1,08
